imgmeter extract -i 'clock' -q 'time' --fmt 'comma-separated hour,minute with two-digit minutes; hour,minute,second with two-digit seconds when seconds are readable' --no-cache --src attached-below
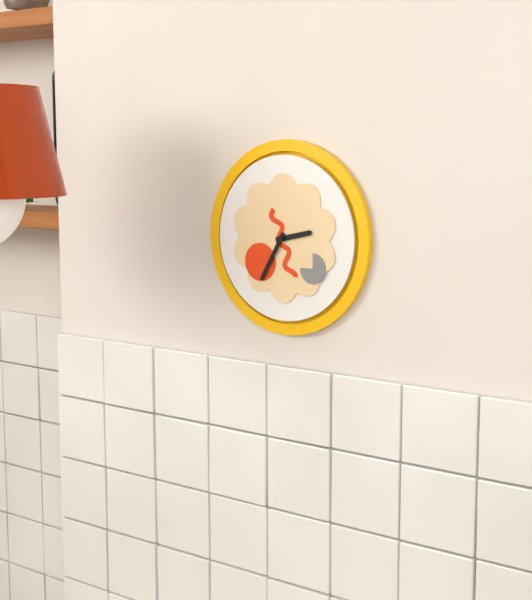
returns 2,35
